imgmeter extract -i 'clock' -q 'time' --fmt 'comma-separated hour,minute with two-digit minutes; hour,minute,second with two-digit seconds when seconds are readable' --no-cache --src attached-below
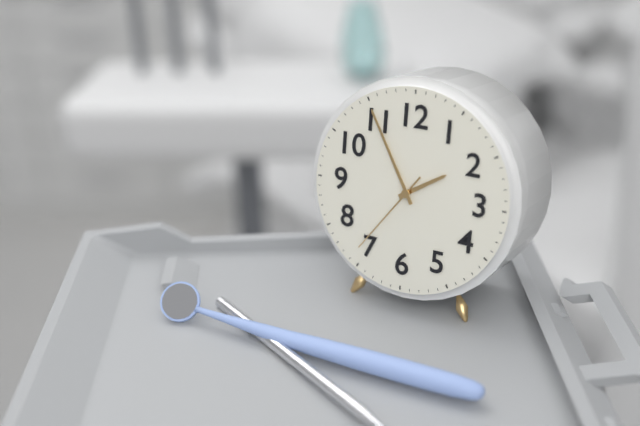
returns 1,55,36
